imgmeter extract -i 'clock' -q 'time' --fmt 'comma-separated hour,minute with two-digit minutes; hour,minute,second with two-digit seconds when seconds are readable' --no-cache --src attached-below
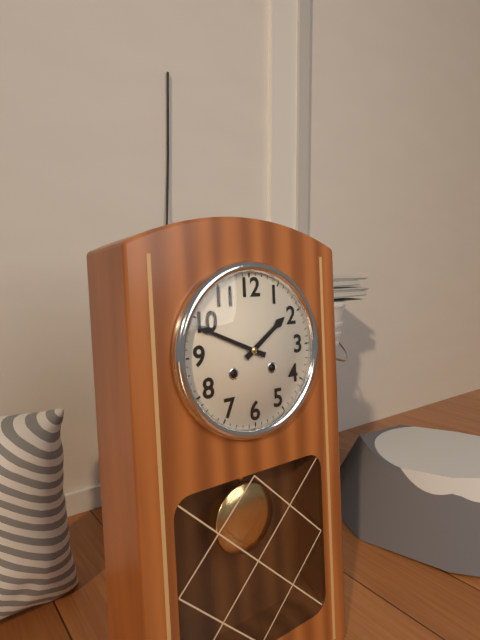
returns 1,49
